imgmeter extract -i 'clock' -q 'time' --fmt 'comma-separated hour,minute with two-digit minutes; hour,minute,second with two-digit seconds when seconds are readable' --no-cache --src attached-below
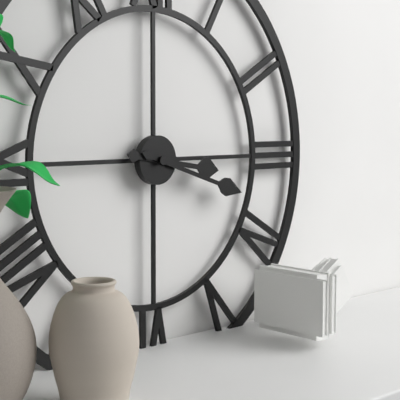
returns 3,18
